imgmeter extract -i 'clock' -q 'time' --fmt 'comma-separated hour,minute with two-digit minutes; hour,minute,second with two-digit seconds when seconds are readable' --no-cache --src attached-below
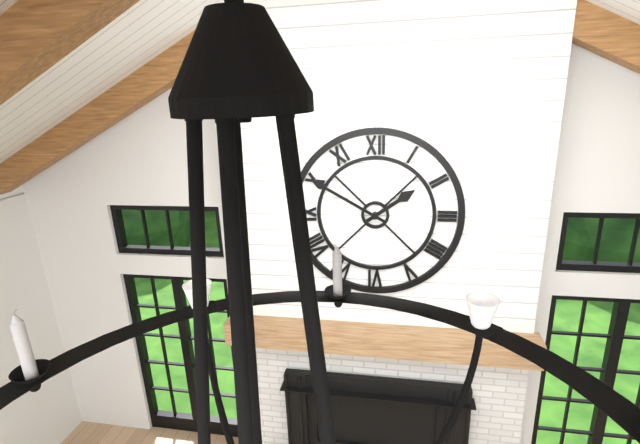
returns 1,50
